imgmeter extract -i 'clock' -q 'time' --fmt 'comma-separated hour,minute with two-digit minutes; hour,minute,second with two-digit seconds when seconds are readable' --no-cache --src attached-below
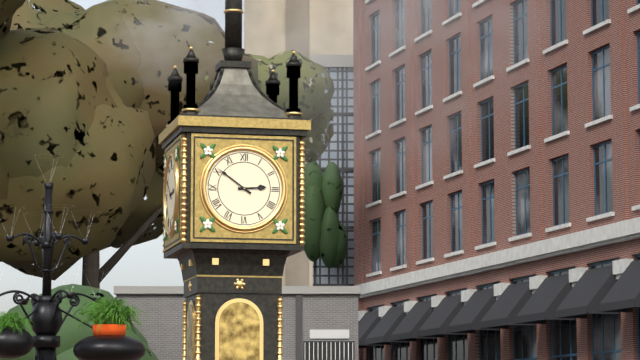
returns 2,51
